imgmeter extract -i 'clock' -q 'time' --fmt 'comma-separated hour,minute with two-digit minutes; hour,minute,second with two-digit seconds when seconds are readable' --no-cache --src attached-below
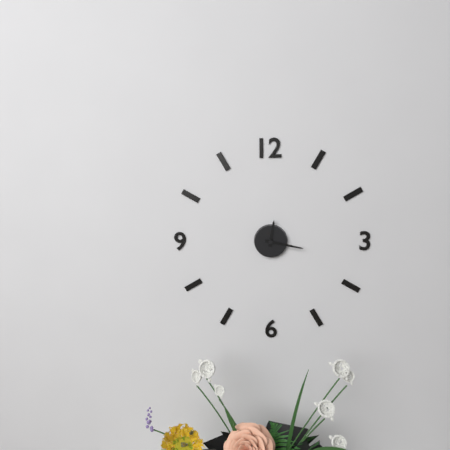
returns 12,17
